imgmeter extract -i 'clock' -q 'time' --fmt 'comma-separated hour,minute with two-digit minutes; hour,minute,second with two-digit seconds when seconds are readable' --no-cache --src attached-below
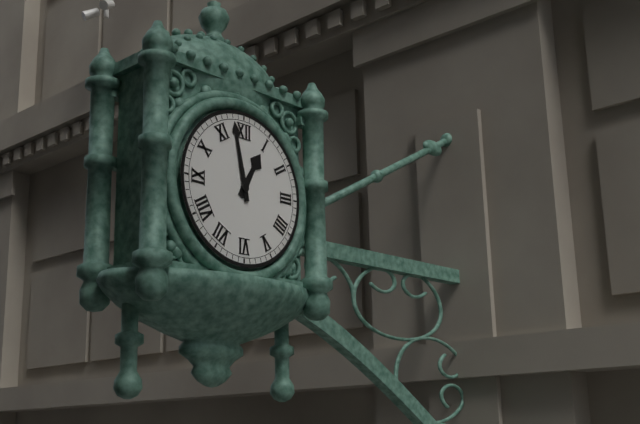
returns 12,58
